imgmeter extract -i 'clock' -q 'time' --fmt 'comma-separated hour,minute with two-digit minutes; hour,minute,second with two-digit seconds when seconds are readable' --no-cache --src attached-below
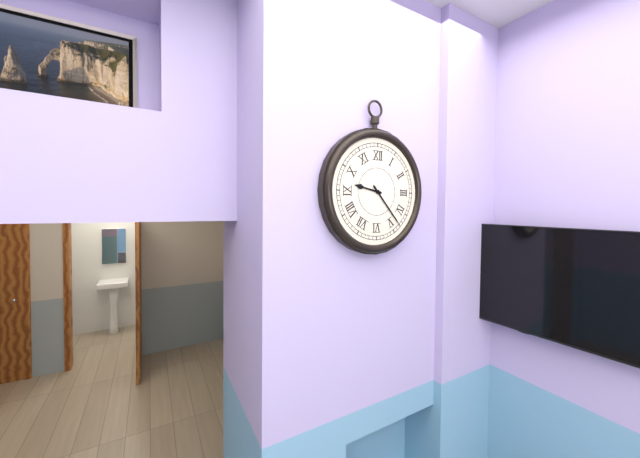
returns 9,23
